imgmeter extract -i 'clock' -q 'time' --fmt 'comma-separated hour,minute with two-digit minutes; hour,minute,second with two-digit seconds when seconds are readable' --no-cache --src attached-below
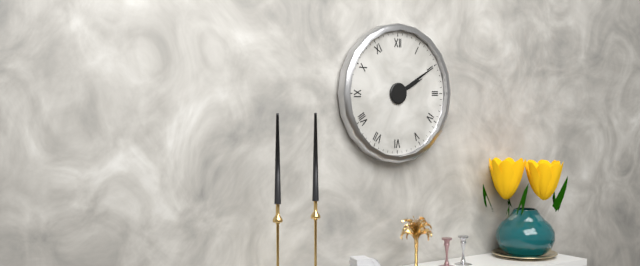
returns 2,10
